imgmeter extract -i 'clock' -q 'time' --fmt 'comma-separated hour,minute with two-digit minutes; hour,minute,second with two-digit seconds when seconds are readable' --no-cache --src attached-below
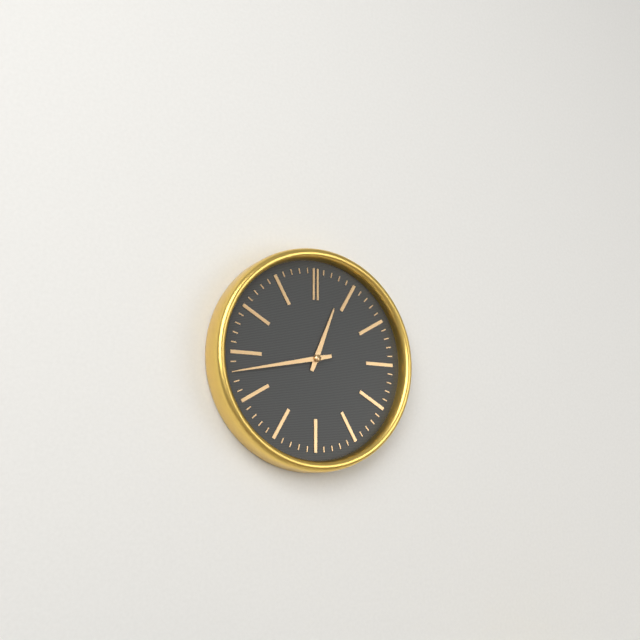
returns 12,43
